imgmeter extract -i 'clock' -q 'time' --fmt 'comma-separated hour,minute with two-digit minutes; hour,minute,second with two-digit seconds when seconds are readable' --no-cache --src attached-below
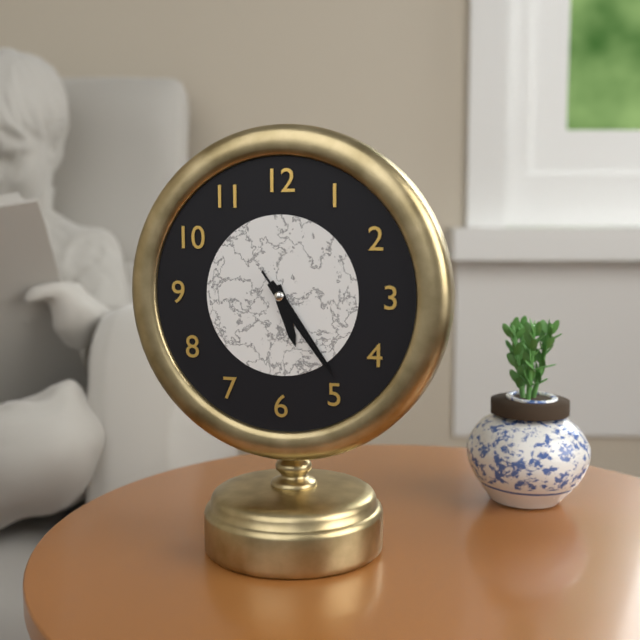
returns 5,24,24
